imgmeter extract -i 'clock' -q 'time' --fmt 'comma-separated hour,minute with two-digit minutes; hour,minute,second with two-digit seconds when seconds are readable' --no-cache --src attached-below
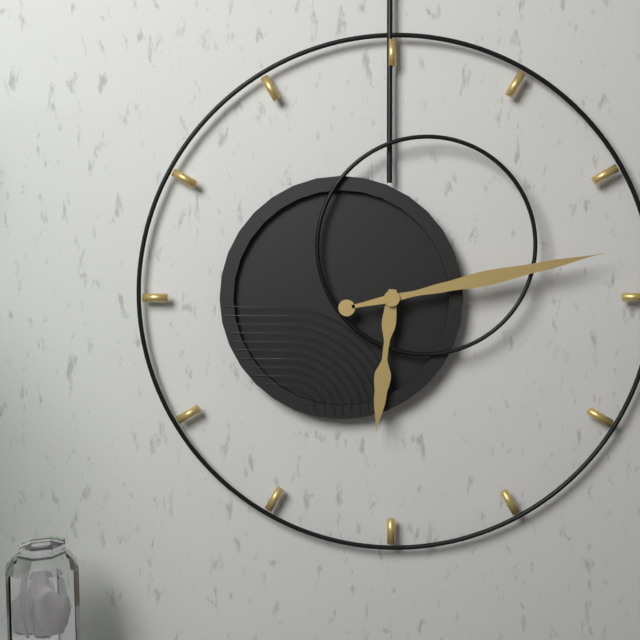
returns 6,13
